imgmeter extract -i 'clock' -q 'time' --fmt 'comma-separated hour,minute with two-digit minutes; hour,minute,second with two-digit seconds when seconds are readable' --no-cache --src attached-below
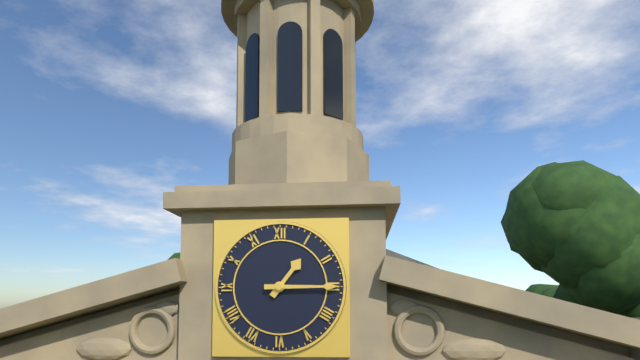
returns 1,15
